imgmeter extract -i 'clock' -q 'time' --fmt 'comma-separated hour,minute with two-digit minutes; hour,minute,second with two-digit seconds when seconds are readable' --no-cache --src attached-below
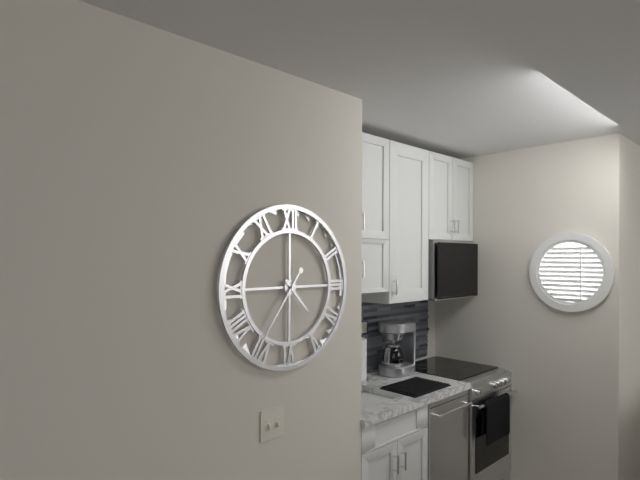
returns 4,36
